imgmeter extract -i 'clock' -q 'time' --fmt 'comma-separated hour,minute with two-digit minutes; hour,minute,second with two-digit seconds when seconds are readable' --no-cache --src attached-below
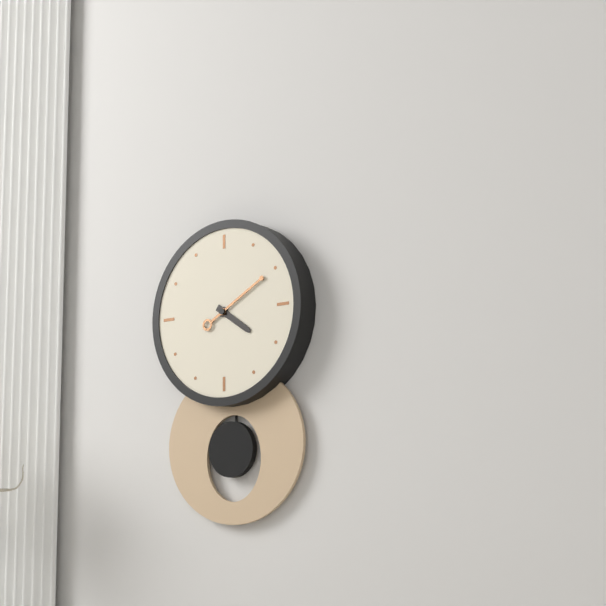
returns 4,10
